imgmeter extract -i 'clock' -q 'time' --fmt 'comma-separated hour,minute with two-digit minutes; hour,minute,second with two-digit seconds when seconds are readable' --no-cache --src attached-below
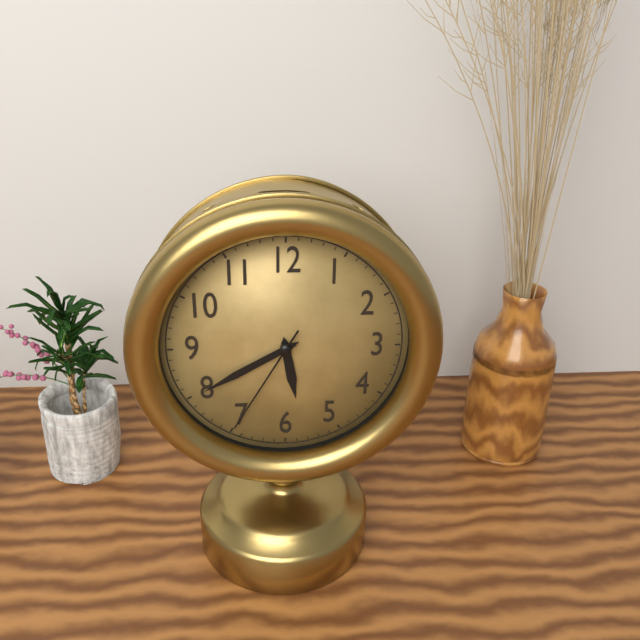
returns 5,40,35
